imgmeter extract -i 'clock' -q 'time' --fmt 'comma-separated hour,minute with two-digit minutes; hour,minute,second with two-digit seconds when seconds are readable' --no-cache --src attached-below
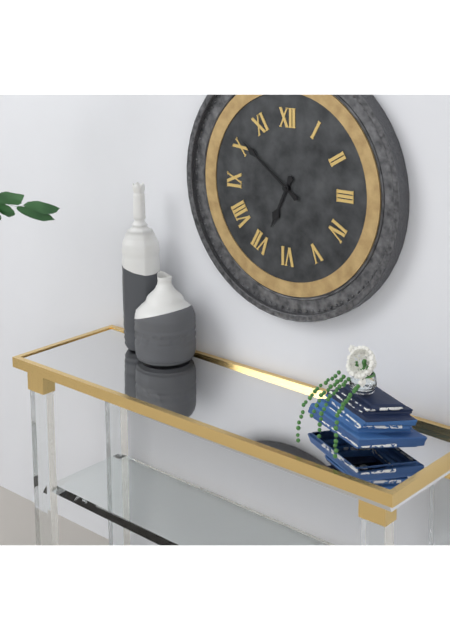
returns 6,51
